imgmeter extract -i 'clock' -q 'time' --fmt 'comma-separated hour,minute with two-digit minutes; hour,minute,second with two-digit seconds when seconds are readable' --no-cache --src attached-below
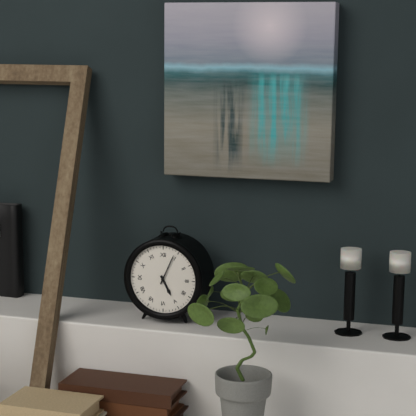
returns 5,04
